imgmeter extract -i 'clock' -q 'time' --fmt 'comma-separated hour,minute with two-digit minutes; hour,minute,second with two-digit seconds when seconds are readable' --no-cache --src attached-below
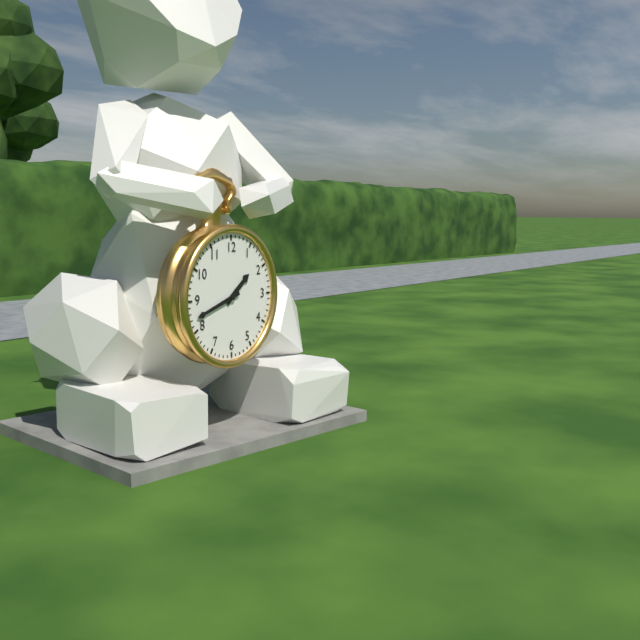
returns 1,42
